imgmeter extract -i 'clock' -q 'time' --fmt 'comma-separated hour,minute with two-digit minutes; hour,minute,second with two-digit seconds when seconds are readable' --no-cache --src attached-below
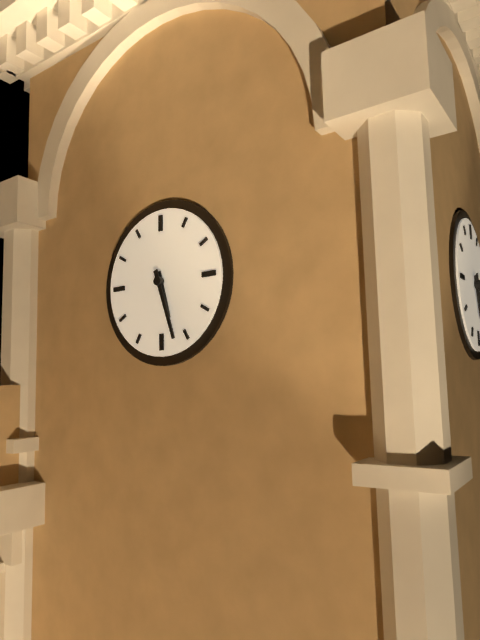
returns 5,27
